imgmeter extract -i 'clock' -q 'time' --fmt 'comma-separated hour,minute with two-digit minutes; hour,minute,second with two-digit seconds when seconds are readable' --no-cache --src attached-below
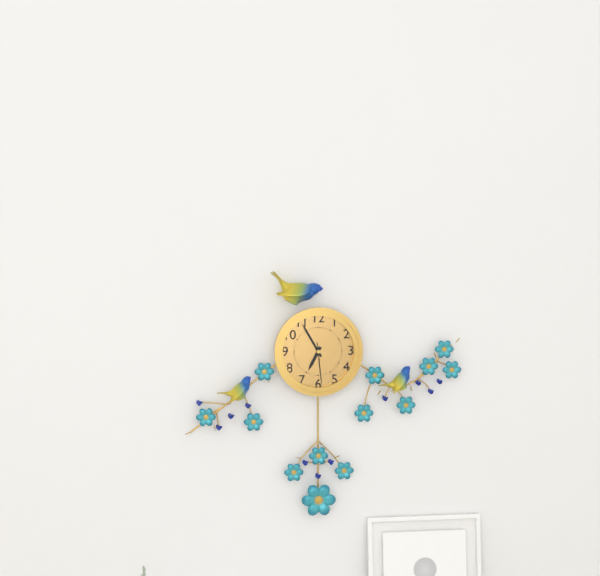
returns 6,55
